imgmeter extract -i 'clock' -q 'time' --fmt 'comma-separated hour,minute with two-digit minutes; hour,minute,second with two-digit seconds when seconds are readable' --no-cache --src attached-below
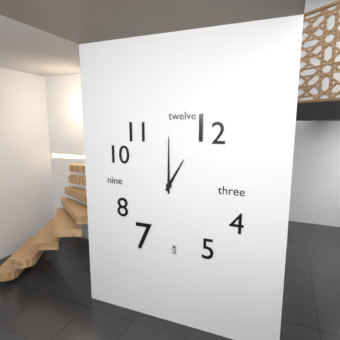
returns 1,00
